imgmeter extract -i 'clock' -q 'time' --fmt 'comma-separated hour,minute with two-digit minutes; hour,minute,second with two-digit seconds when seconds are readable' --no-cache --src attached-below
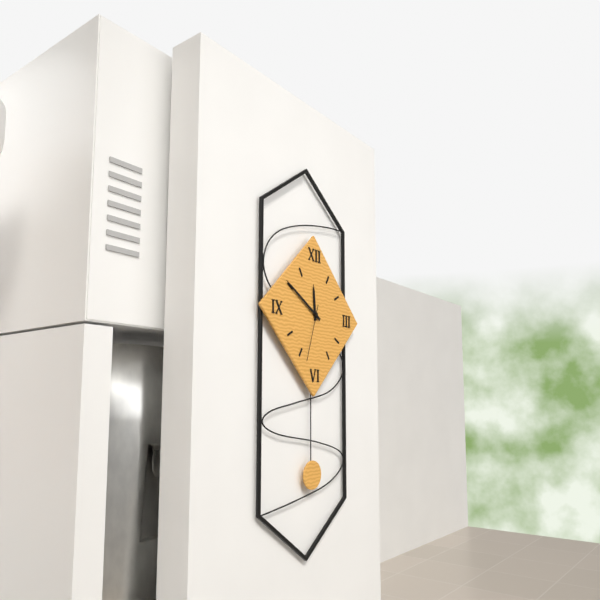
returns 11,50,33
